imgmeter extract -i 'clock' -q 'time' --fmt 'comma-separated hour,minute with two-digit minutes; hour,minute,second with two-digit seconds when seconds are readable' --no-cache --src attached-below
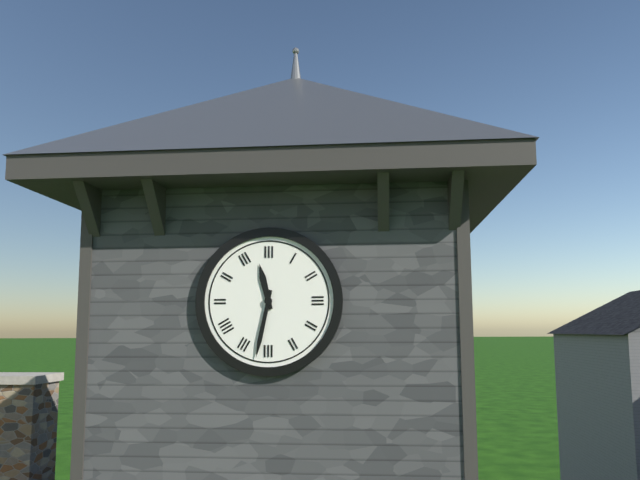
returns 11,32
